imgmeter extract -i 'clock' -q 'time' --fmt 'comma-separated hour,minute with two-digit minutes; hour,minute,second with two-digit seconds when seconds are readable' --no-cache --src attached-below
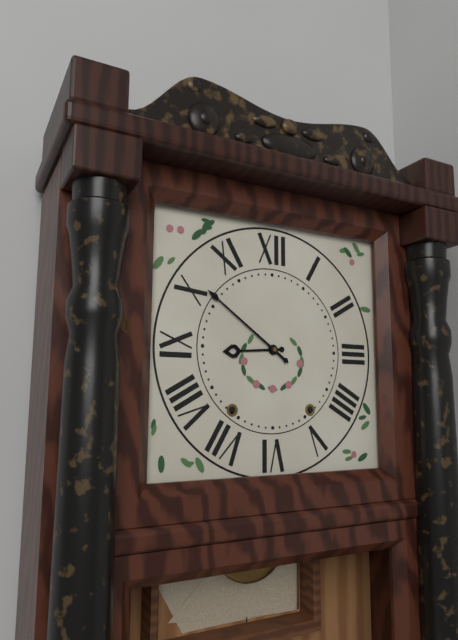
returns 8,51
